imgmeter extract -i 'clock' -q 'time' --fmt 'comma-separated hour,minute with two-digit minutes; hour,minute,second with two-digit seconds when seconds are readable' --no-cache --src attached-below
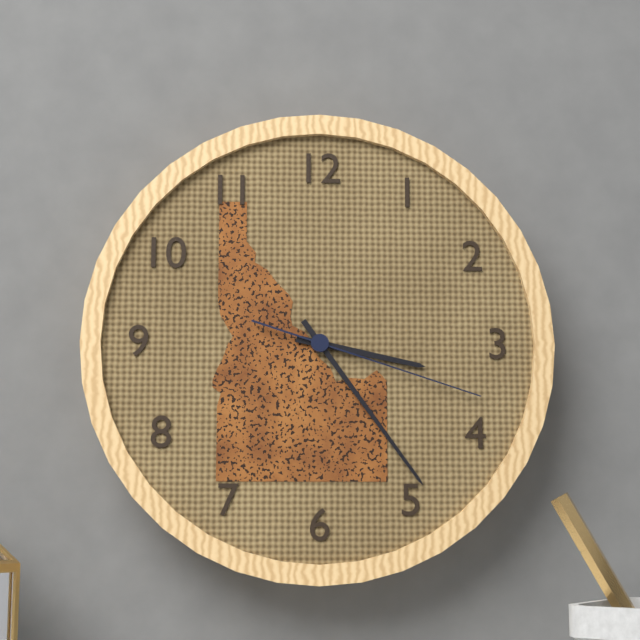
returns 3,24,18
